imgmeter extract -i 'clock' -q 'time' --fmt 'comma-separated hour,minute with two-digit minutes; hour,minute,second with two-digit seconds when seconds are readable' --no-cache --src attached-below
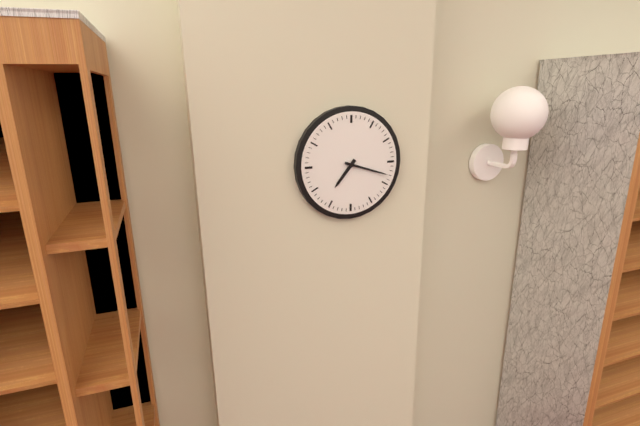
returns 7,18
